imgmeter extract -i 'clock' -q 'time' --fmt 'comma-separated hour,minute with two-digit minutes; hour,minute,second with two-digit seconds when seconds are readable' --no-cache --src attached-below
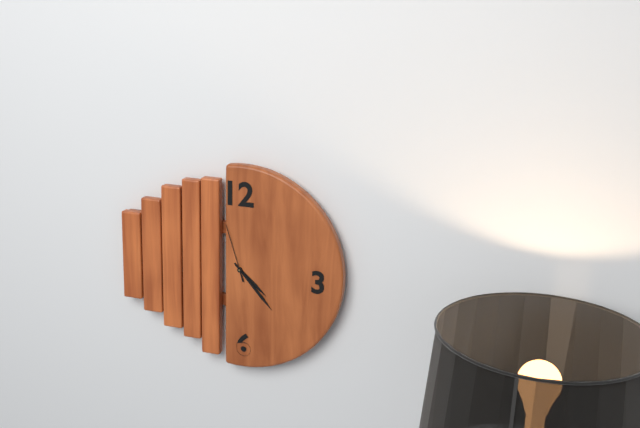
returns 4,23,57
